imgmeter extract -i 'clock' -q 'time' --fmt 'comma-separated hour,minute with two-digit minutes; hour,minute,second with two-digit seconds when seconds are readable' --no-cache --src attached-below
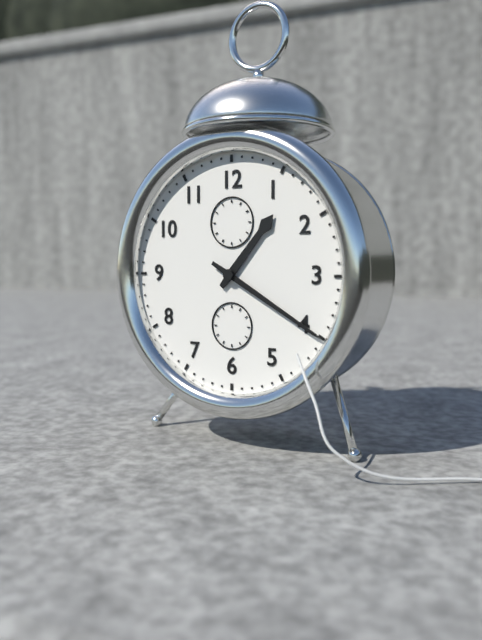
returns 1,20
